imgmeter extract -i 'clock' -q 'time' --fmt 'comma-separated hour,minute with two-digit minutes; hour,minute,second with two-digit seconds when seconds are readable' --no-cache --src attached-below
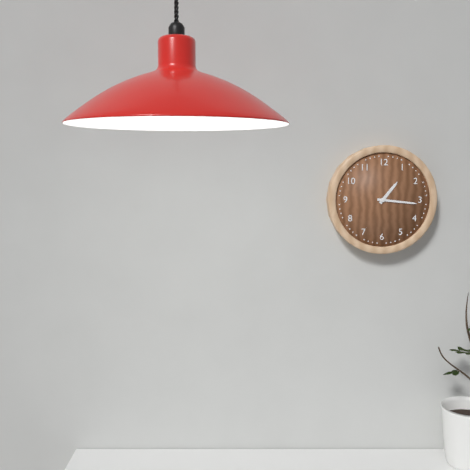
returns 1,16
